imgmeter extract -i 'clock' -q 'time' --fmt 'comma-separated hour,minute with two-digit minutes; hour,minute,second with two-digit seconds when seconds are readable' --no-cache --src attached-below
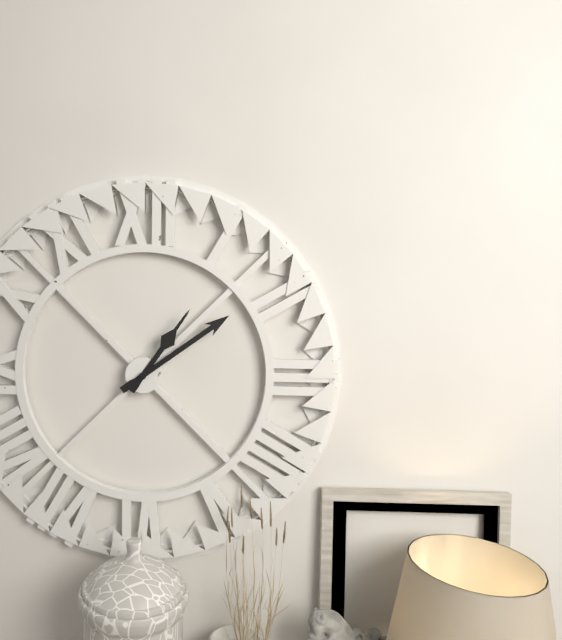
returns 1,09
